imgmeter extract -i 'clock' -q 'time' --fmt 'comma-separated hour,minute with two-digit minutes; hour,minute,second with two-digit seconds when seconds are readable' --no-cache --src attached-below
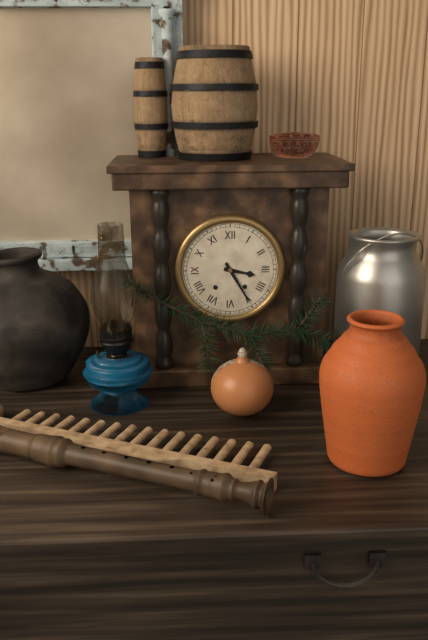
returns 3,25
